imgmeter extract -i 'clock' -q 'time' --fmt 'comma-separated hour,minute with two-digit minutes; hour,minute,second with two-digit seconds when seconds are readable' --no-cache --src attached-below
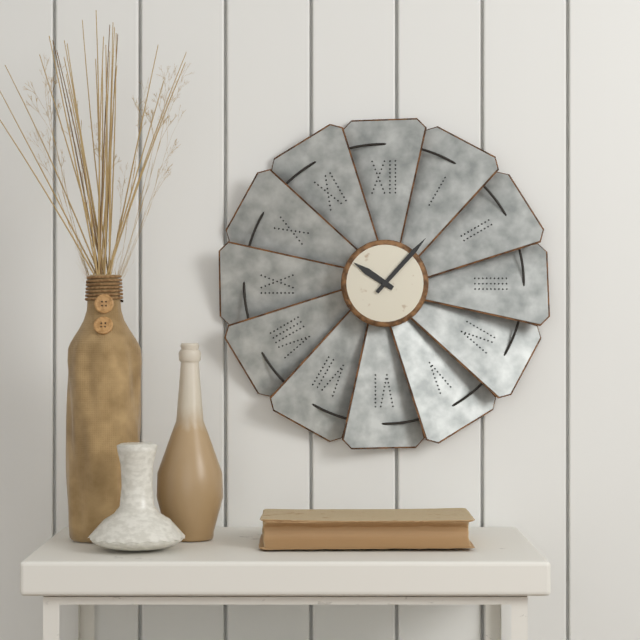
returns 10,07
